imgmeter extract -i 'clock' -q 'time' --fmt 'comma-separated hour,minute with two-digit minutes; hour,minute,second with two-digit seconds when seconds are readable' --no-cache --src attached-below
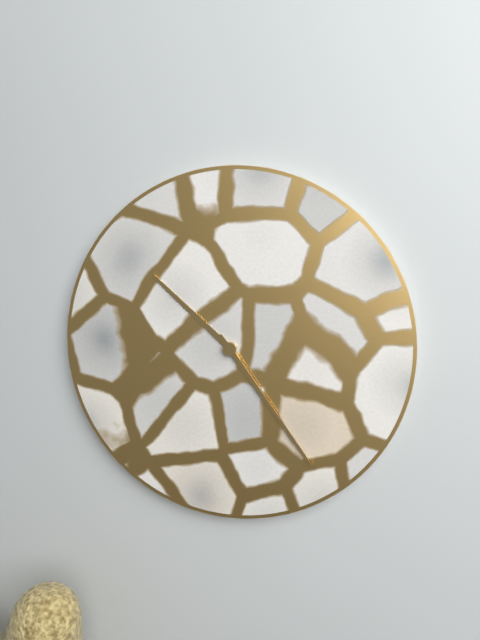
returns 10,24
